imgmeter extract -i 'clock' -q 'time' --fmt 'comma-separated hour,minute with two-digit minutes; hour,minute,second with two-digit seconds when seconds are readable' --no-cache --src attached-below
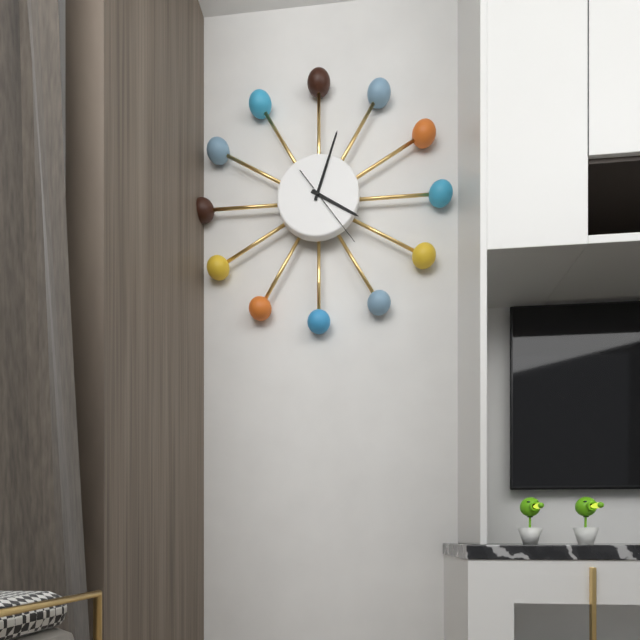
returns 4,03,24
